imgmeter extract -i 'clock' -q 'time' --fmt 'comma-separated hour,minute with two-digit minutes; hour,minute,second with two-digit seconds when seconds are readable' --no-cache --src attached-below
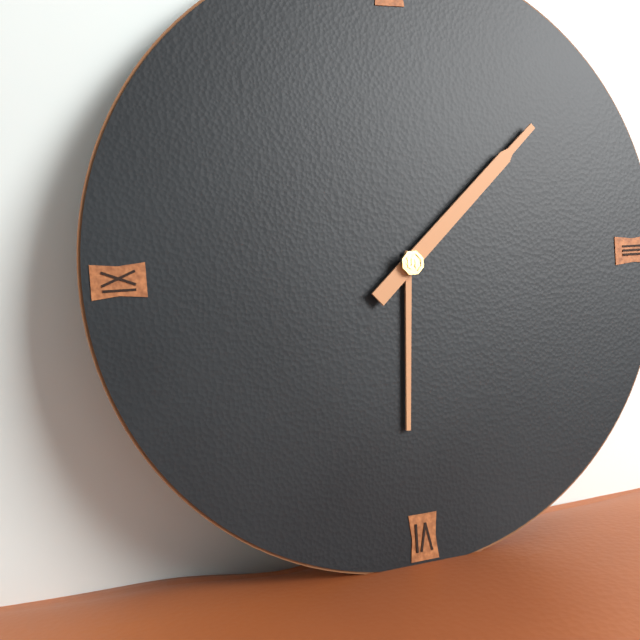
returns 6,08
